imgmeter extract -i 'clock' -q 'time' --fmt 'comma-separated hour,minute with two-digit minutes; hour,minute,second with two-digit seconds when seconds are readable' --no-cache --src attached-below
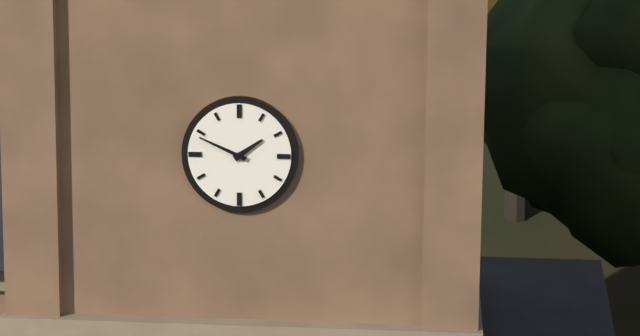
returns 1,49
